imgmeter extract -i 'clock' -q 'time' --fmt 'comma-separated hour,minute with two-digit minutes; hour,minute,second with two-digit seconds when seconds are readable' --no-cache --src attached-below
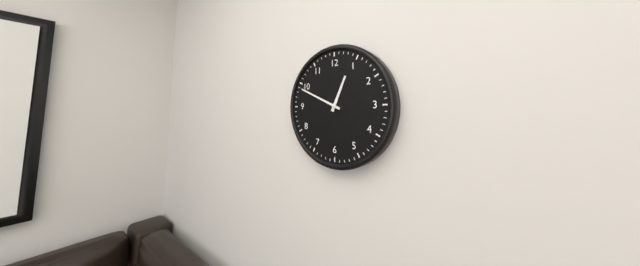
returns 12,49
